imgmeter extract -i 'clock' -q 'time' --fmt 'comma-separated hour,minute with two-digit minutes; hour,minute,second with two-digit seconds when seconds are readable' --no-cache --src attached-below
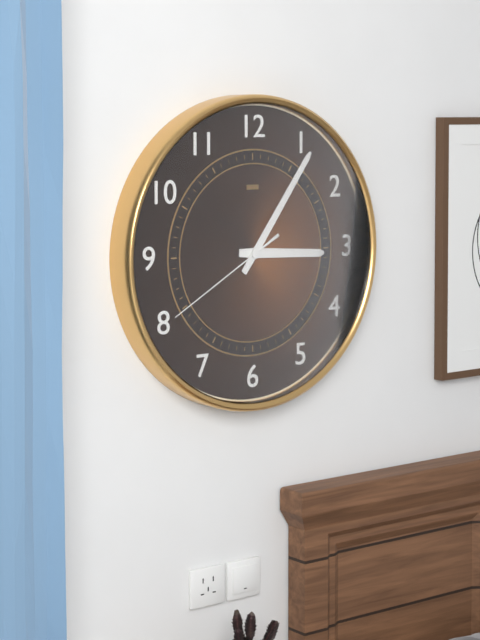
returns 3,06,40
